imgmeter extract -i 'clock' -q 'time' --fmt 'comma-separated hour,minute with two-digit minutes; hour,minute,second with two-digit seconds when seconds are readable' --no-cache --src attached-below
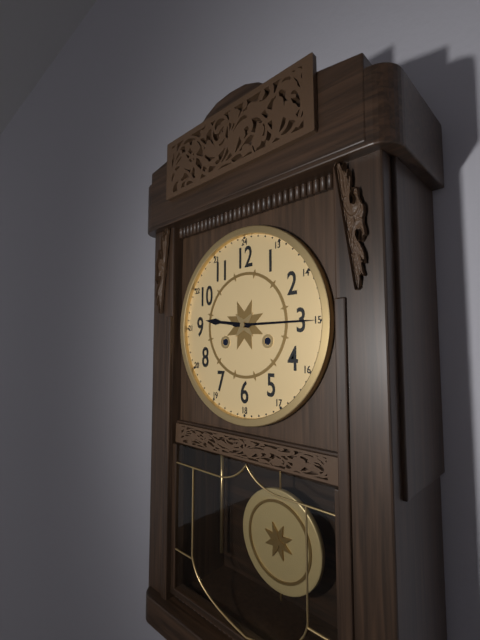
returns 9,15
